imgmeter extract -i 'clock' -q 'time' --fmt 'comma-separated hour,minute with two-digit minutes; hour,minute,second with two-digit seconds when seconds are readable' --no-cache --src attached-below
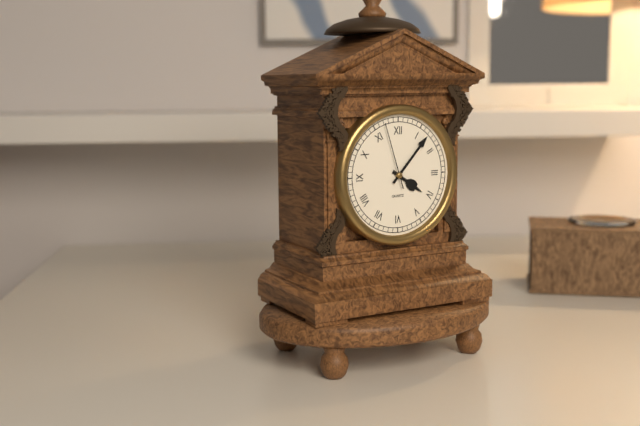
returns 4,07,57
